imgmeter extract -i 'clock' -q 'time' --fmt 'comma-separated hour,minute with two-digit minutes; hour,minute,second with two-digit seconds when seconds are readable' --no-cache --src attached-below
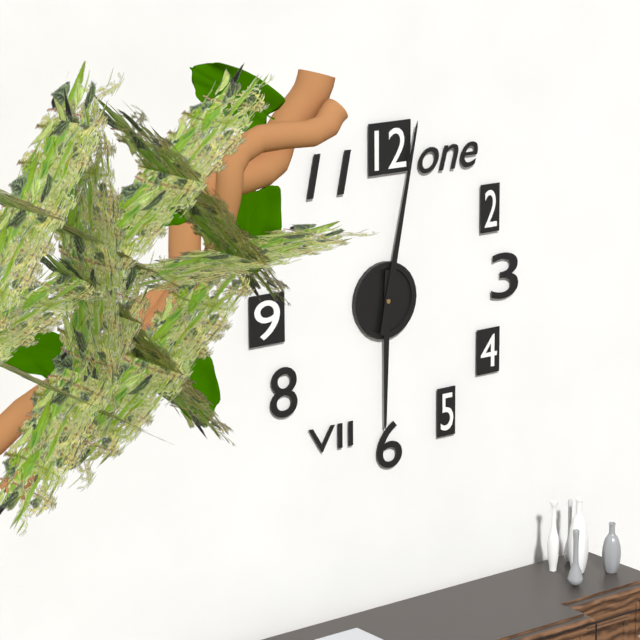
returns 6,02
